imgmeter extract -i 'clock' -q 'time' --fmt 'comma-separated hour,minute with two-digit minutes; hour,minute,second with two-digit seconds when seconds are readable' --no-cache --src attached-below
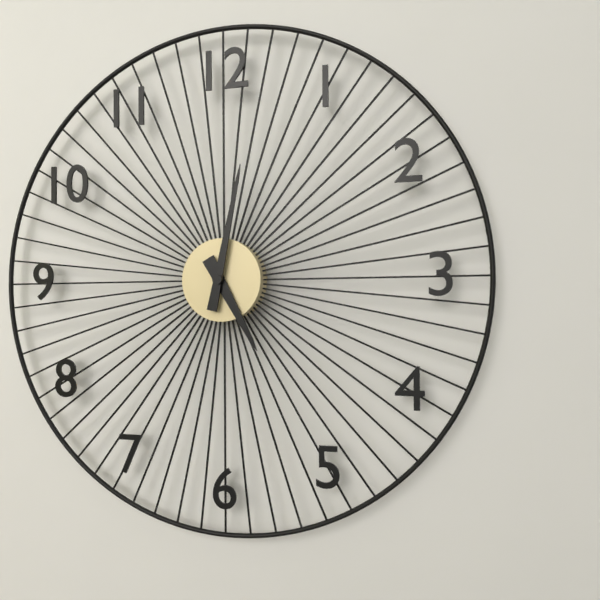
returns 5,02
